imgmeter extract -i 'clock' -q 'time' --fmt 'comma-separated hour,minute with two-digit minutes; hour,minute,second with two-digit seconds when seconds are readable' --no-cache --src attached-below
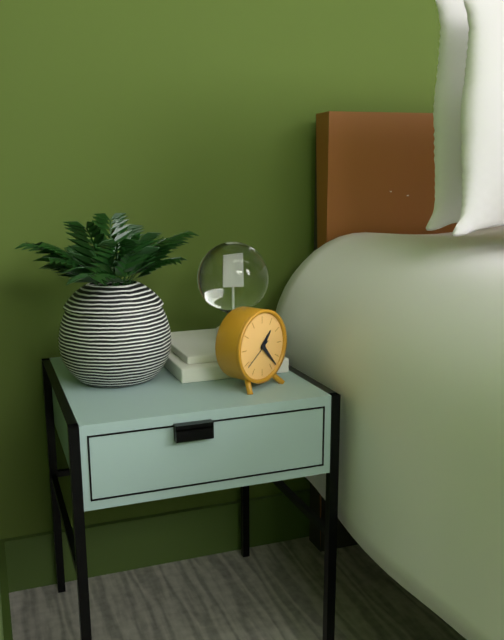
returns 1,23
